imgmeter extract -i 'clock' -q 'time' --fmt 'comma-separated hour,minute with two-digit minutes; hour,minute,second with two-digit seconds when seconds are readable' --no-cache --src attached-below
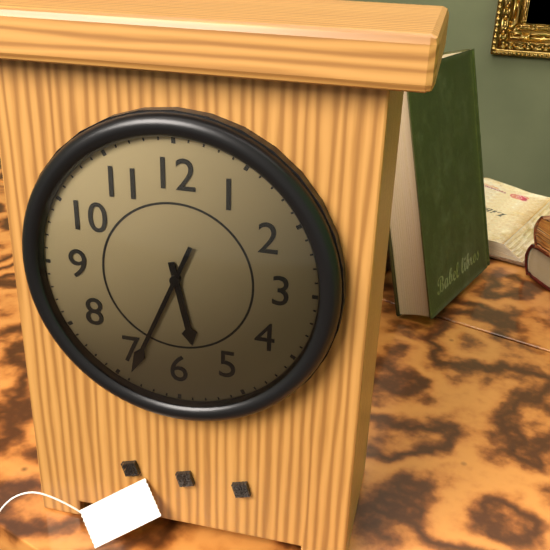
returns 5,34
